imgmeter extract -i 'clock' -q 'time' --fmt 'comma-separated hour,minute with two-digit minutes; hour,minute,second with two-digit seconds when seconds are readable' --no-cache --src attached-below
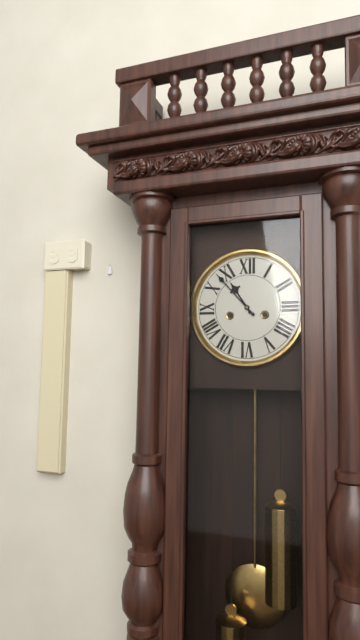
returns 10,53
